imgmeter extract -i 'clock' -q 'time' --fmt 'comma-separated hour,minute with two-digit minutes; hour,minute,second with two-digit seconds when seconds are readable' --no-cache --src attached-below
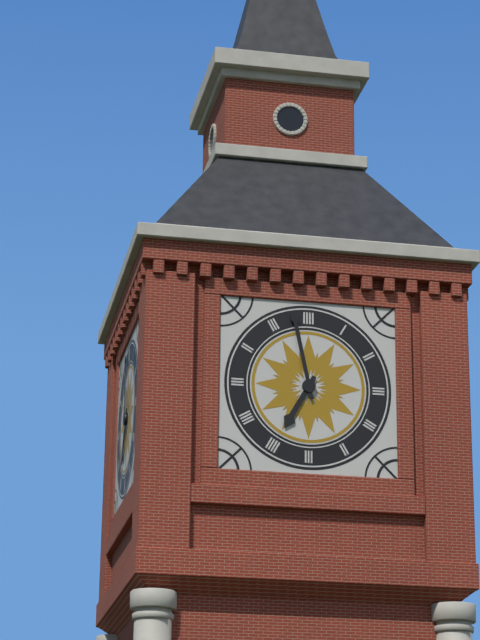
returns 6,58
